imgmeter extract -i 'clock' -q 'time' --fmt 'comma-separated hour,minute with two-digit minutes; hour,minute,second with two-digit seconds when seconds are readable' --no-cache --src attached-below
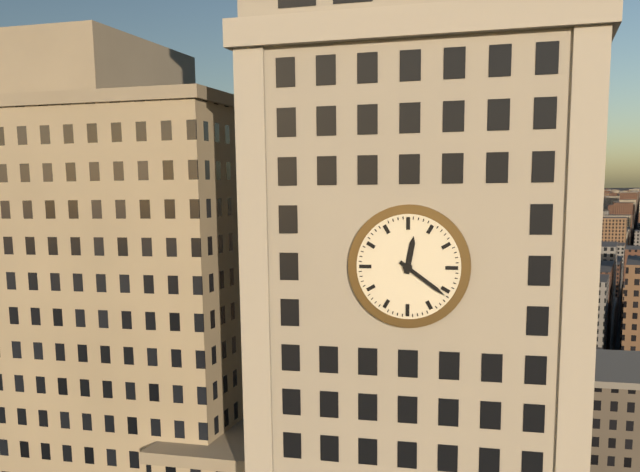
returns 12,21
